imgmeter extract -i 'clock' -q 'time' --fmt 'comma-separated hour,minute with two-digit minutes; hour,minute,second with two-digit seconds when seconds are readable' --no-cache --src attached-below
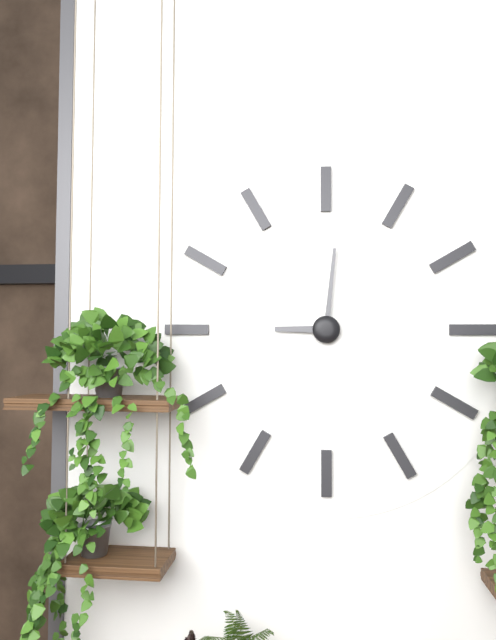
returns 9,01
